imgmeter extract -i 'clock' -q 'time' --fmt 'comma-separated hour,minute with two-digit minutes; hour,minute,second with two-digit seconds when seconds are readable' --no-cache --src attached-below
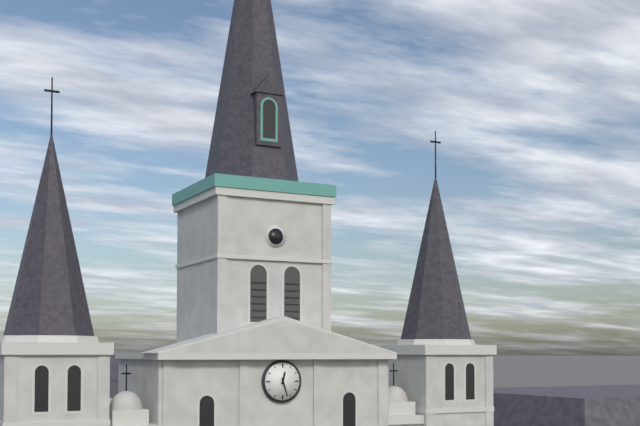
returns 12,27
